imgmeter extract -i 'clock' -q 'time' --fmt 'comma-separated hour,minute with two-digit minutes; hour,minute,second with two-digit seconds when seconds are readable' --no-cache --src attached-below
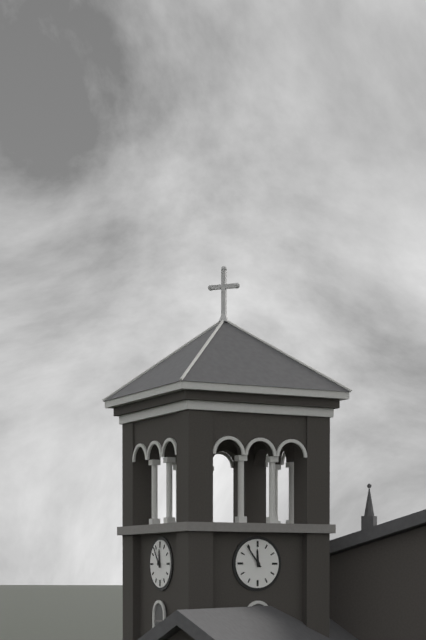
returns 11,54
